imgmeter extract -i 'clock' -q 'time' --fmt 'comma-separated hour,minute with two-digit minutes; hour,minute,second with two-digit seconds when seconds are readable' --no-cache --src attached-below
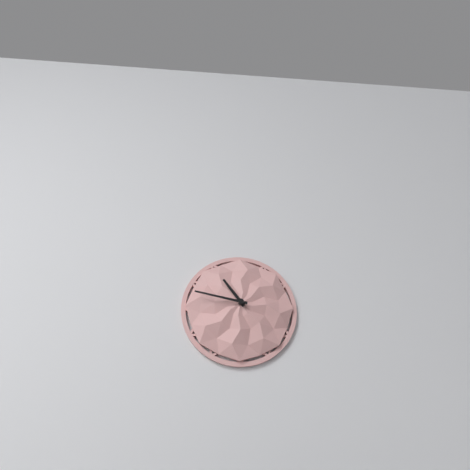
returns 10,47
